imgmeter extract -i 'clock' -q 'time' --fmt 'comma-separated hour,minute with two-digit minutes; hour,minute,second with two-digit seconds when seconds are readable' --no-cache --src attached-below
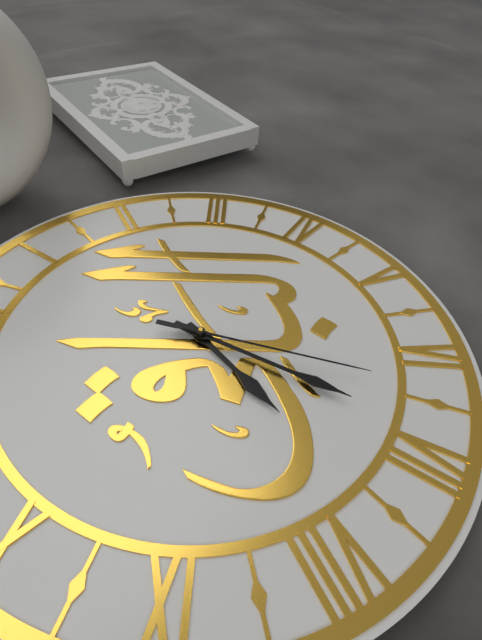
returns 7,34,32
